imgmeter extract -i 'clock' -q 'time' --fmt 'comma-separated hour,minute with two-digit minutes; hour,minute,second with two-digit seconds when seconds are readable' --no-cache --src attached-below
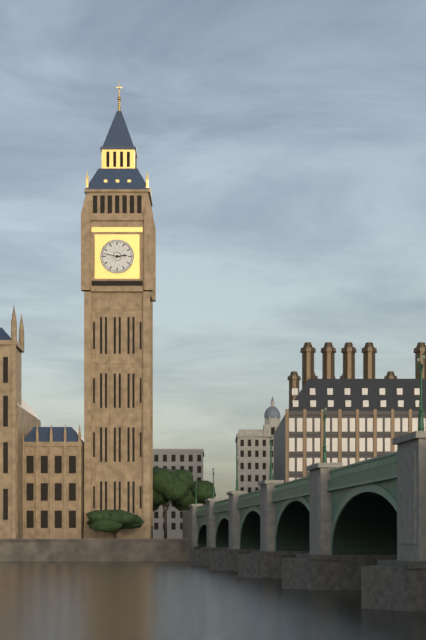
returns 2,47
